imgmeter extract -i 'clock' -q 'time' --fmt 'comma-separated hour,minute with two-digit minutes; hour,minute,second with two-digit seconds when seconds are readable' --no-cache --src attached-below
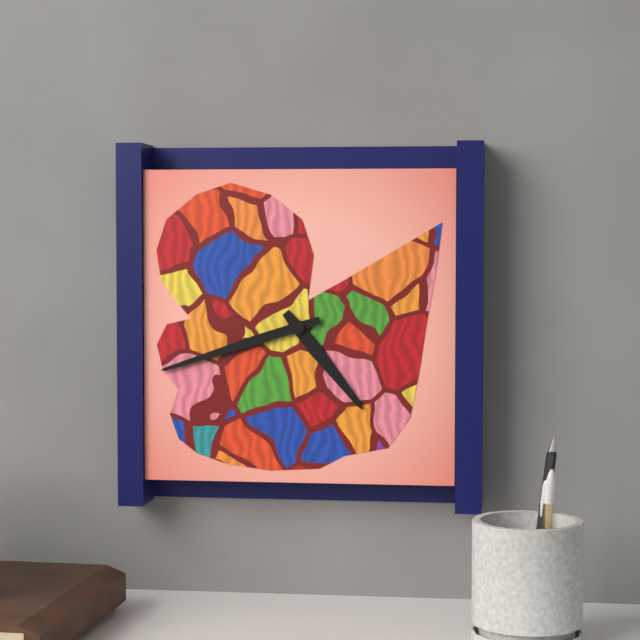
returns 4,42
